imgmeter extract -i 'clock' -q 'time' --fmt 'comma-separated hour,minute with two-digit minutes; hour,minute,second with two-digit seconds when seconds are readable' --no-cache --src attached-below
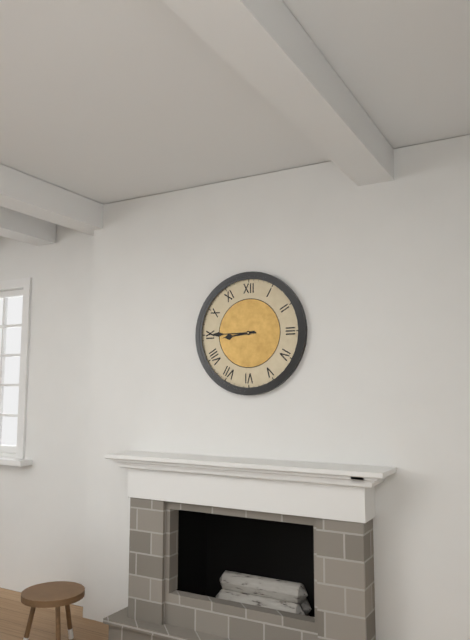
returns 8,45
